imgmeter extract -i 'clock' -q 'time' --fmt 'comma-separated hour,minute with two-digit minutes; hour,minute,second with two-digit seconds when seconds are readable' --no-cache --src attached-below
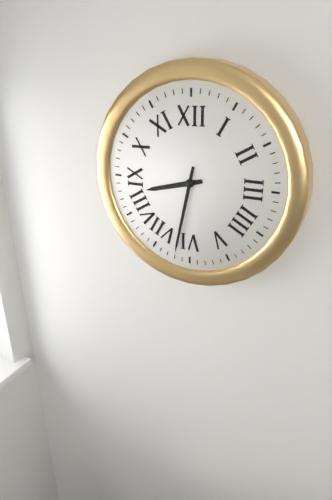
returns 8,32
